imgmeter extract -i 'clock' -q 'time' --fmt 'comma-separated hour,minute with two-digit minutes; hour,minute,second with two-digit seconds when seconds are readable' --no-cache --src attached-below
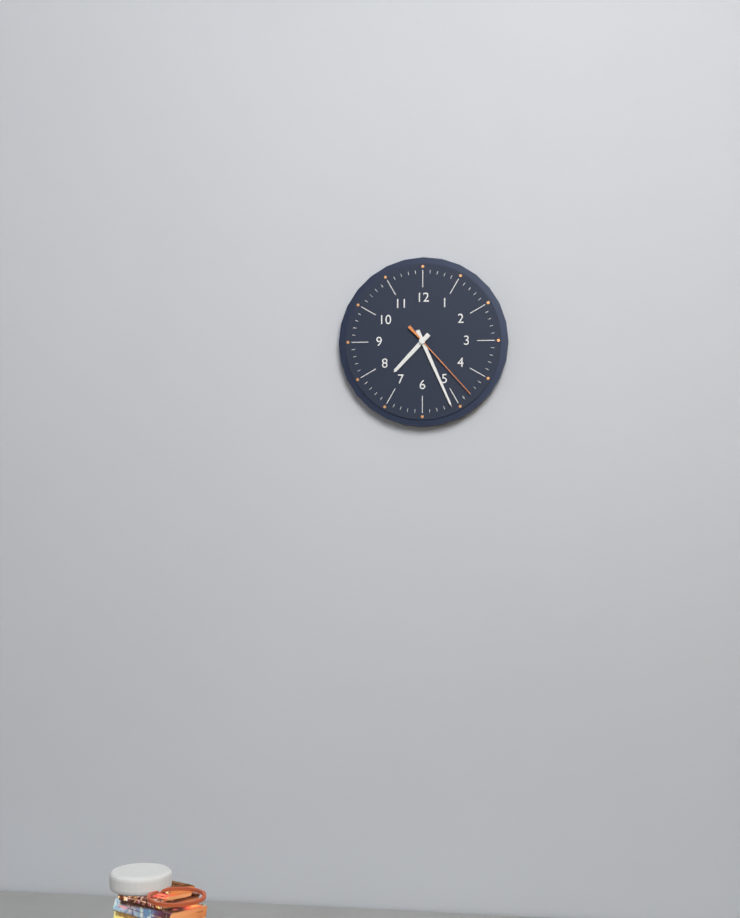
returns 7,26,23
